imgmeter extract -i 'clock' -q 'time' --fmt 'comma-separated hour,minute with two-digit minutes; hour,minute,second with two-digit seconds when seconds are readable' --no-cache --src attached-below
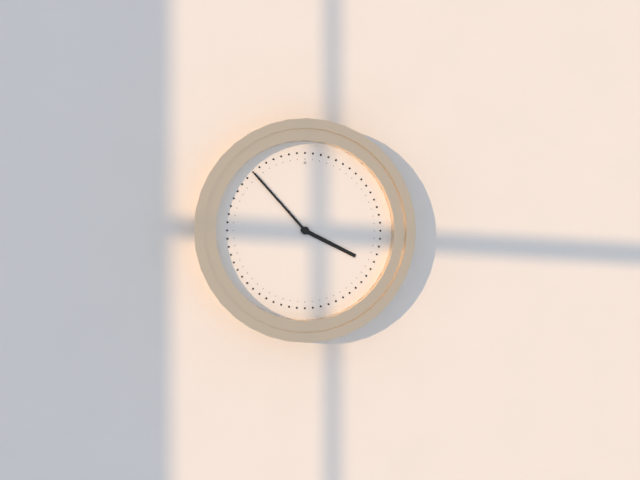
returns 3,53
